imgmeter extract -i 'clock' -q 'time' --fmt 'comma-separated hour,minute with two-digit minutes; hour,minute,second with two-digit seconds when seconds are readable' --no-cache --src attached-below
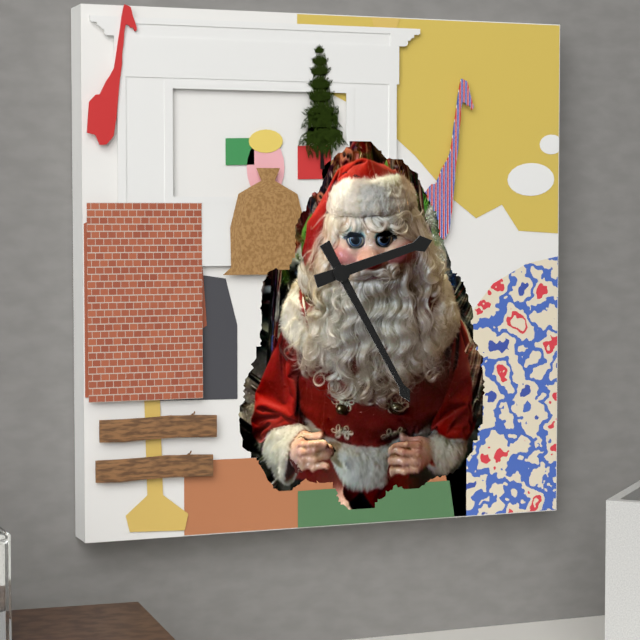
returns 2,25
